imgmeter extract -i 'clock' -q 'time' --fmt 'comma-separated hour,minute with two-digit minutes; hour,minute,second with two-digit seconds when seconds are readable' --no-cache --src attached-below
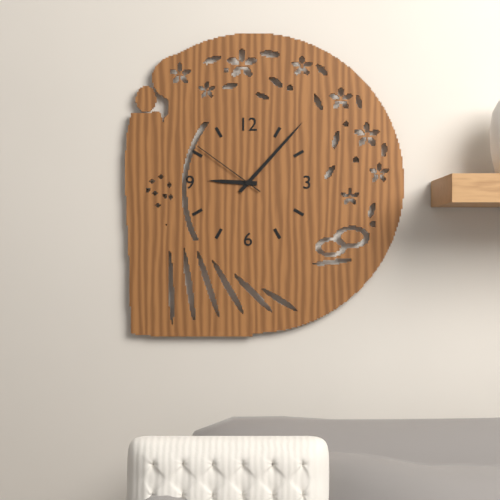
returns 9,07,51
